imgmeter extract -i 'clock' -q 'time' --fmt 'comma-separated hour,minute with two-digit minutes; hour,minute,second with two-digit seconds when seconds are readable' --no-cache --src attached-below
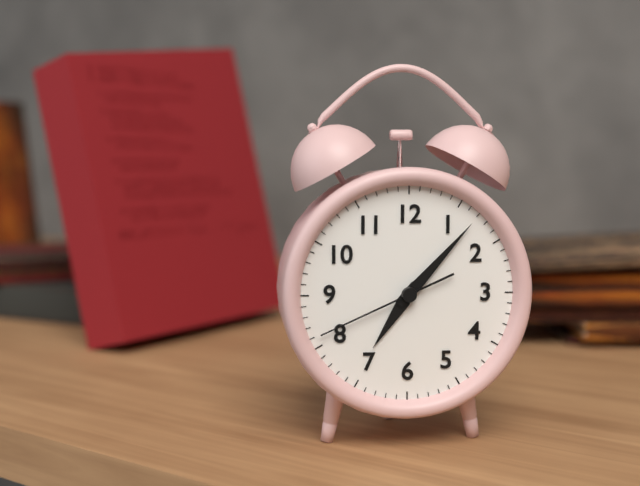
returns 7,07,41
